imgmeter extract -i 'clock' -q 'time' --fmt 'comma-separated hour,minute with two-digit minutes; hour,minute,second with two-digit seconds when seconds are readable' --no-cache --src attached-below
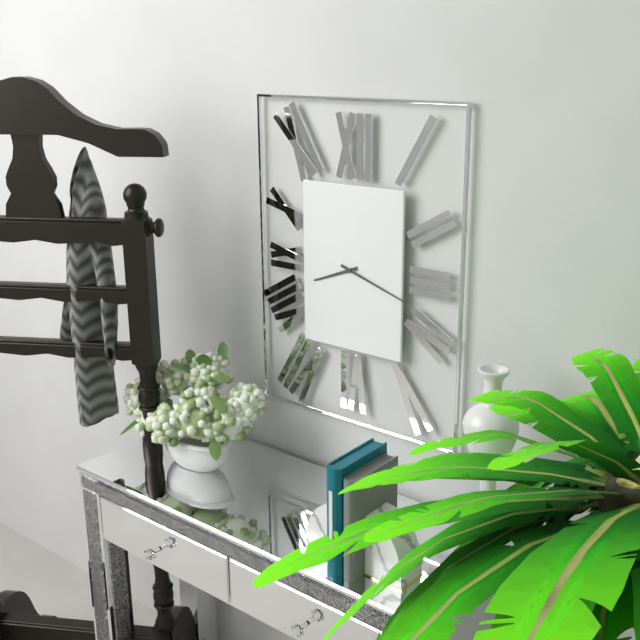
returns 8,18
